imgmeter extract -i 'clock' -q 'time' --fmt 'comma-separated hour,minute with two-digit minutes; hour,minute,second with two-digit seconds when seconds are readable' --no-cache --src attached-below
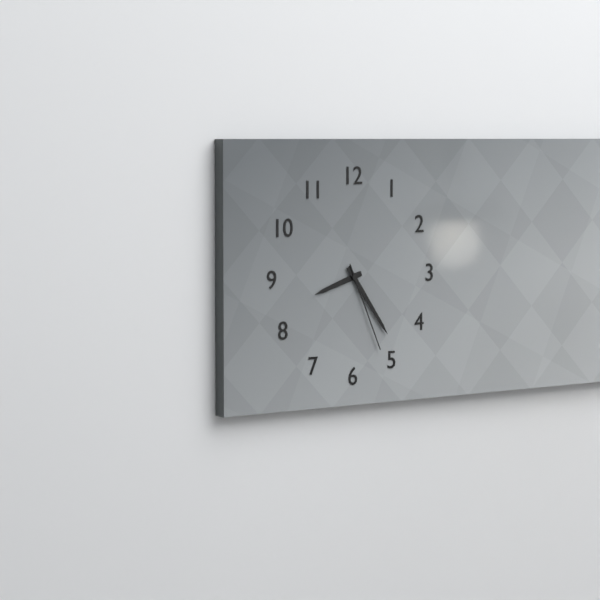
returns 8,24,26
